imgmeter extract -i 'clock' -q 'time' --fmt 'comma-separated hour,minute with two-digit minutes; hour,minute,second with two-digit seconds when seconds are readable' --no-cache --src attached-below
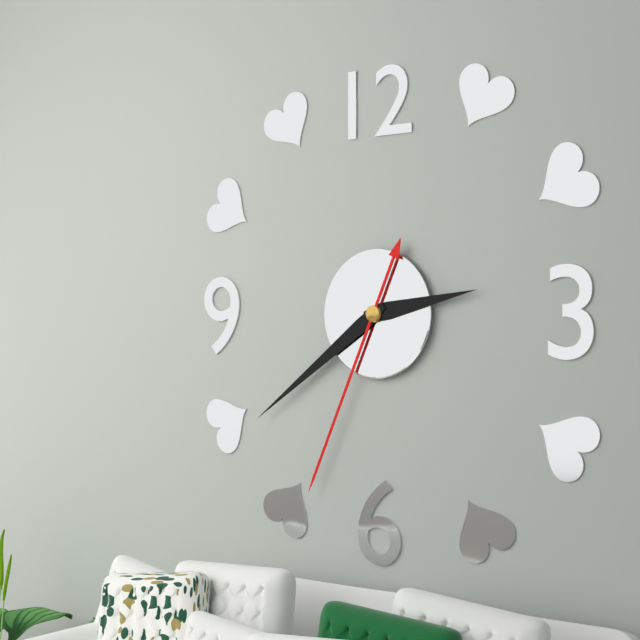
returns 2,39,34
